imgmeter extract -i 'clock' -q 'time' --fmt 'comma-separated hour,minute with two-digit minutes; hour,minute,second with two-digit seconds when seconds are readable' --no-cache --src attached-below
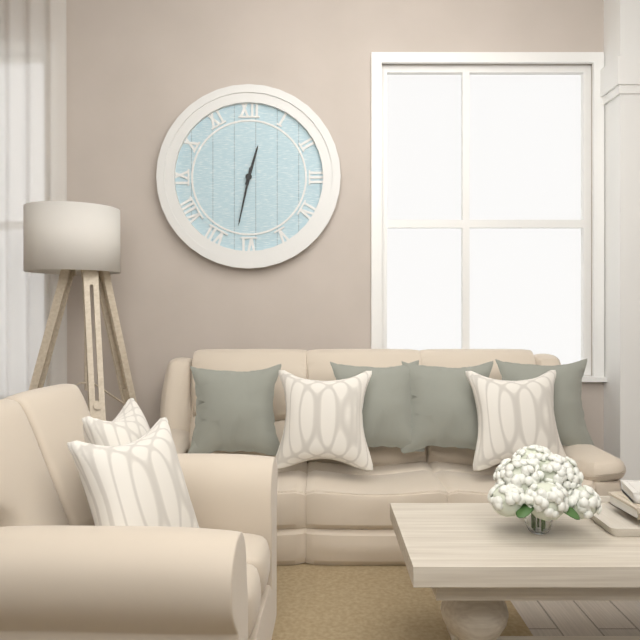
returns 12,32
